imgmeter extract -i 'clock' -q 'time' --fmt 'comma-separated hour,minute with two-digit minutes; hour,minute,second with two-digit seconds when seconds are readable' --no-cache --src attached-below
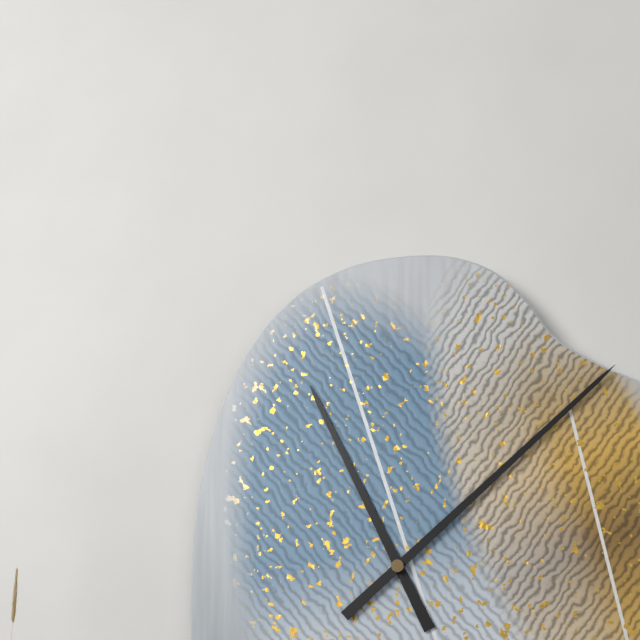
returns 11,08
